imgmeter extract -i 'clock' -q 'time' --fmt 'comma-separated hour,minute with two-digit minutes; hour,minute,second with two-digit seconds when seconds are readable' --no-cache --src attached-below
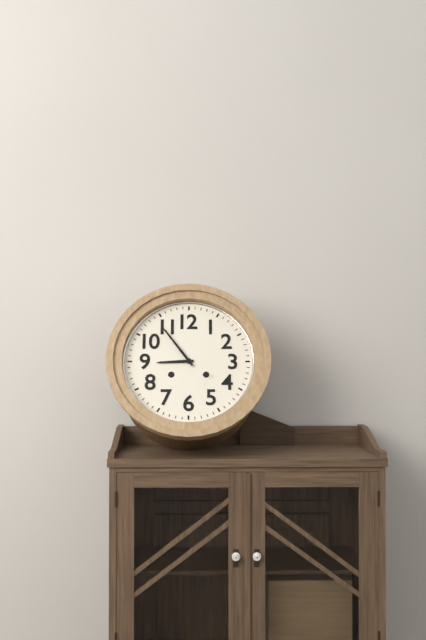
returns 8,54
